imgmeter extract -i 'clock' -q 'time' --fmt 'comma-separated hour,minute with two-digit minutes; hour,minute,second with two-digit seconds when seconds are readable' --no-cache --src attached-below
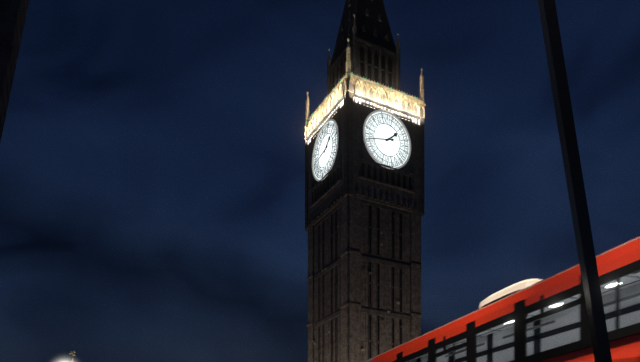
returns 1,43
